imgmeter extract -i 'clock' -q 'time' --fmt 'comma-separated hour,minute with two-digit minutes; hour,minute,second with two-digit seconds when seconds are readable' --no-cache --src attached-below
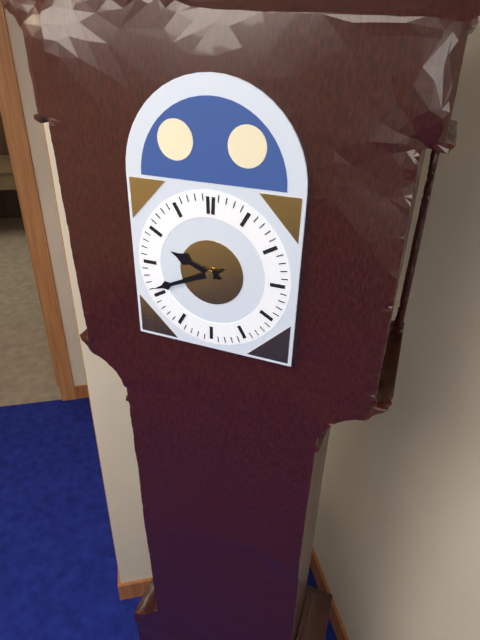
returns 9,41
